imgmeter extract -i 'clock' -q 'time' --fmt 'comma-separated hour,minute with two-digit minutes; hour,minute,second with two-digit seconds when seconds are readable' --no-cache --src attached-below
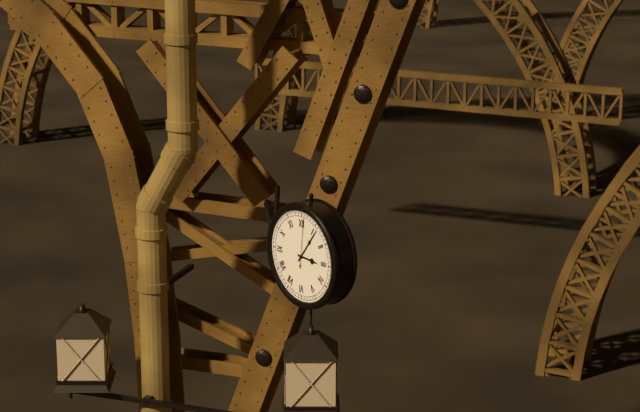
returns 3,06
